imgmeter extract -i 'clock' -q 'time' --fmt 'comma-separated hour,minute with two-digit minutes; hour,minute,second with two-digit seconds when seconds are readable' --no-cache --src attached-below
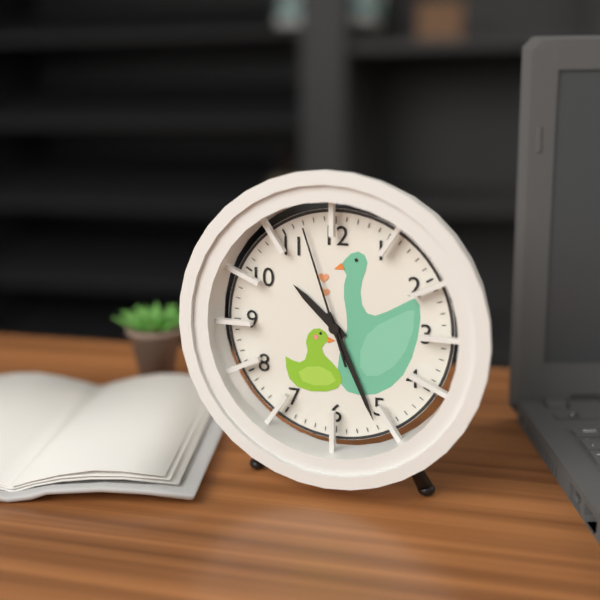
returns 10,26,57
